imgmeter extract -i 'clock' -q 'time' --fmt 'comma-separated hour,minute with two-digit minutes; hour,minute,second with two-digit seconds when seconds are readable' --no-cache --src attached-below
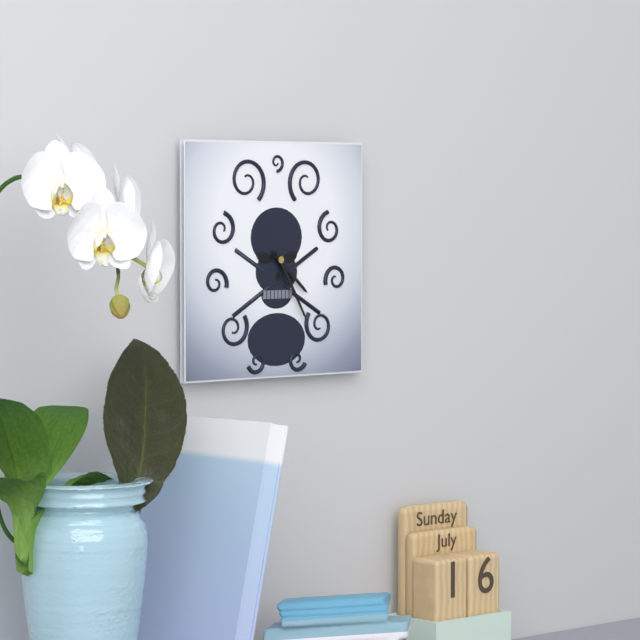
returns 4,25
